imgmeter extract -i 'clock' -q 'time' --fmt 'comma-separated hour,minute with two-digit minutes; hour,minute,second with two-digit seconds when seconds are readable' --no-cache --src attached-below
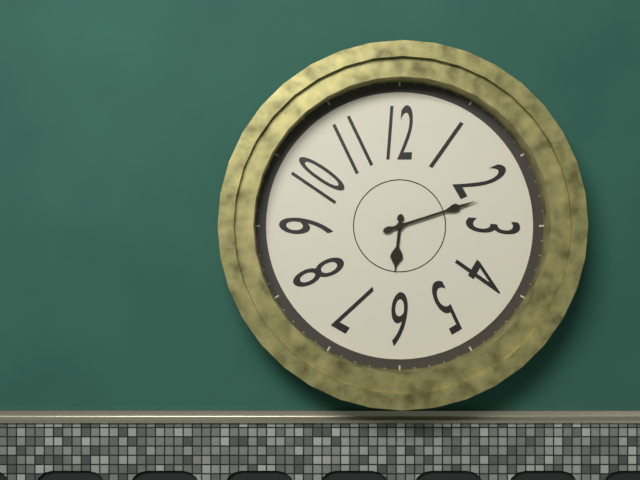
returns 6,12
